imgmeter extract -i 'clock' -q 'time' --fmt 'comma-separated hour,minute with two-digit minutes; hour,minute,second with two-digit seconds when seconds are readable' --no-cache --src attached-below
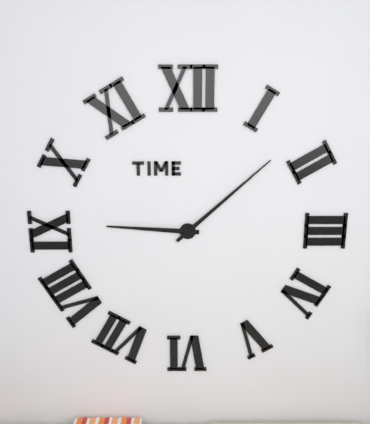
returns 9,08
